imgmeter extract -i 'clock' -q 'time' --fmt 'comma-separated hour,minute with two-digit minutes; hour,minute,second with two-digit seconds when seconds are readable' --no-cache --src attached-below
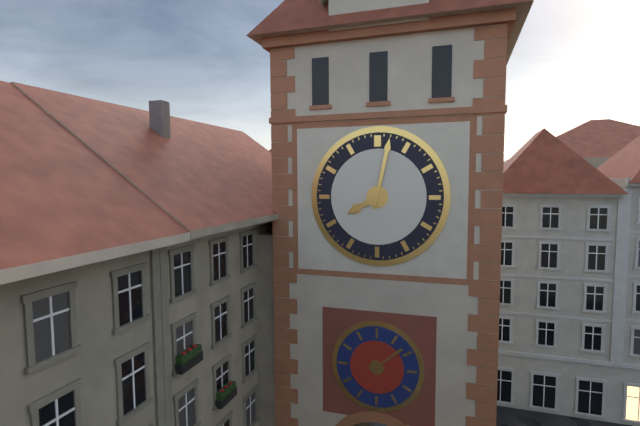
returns 8,02
